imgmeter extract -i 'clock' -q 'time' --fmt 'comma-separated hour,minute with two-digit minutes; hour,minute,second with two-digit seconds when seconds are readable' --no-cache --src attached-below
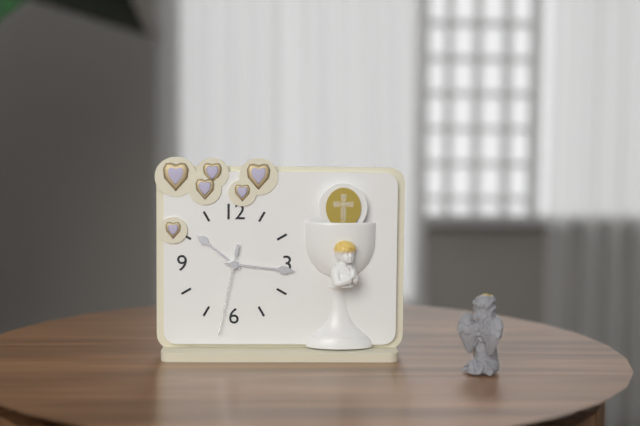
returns 10,16,32
